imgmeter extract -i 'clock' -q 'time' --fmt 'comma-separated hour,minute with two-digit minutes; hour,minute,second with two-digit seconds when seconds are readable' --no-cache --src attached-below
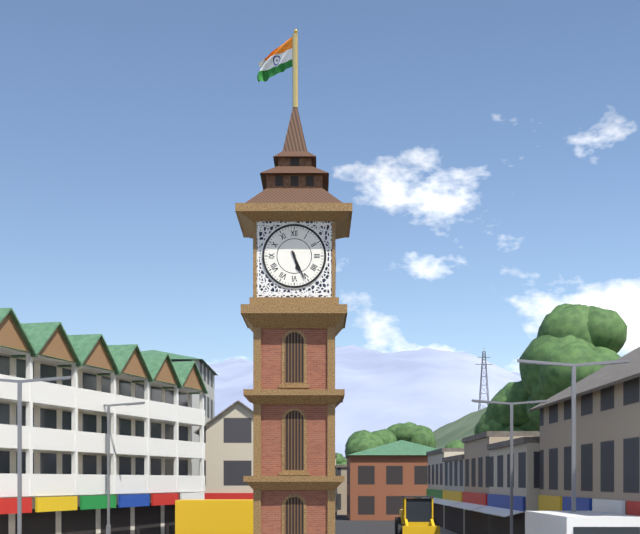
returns 5,26
